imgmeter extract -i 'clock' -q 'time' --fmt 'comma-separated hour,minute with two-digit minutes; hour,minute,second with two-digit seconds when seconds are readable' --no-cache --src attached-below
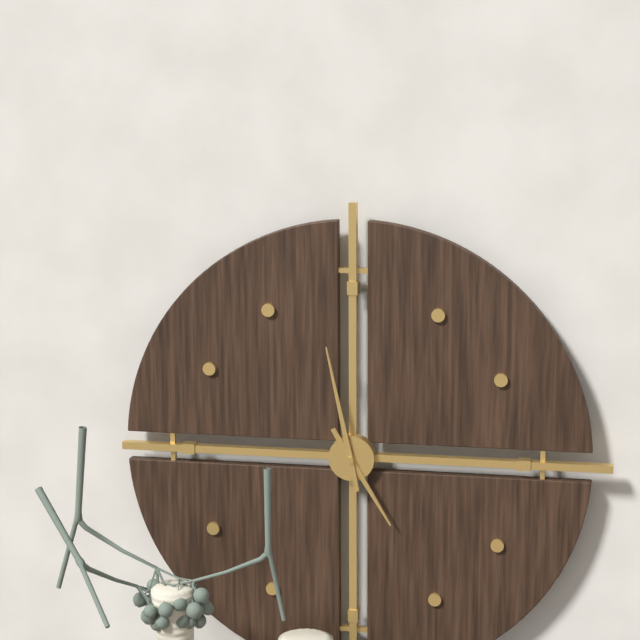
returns 4,58
